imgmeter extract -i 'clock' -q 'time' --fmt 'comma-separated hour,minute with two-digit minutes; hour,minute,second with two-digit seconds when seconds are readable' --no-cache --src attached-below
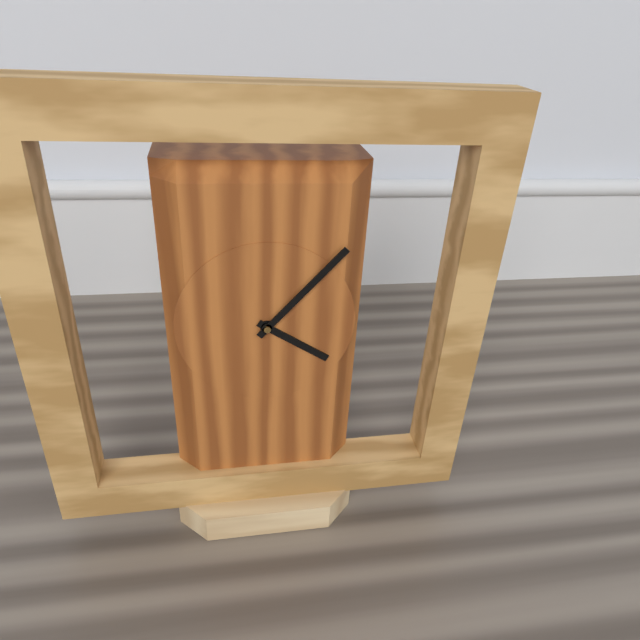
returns 4,07
